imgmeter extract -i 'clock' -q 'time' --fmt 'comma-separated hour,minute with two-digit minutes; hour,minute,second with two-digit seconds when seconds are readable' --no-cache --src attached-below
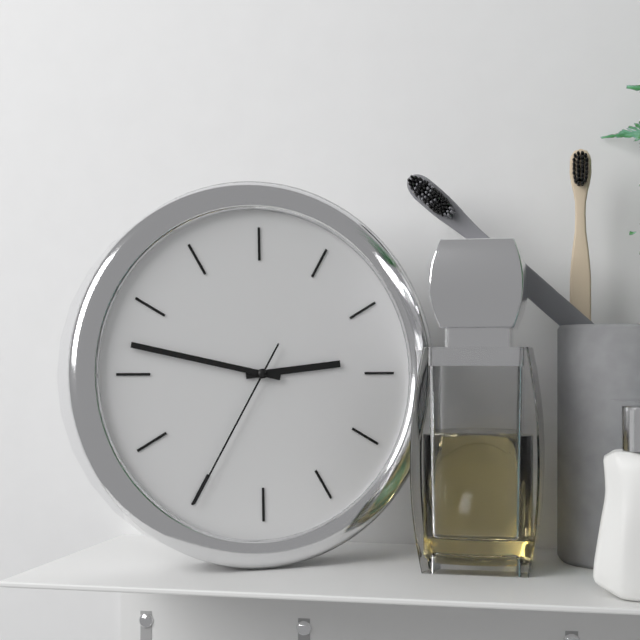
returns 2,47,35
